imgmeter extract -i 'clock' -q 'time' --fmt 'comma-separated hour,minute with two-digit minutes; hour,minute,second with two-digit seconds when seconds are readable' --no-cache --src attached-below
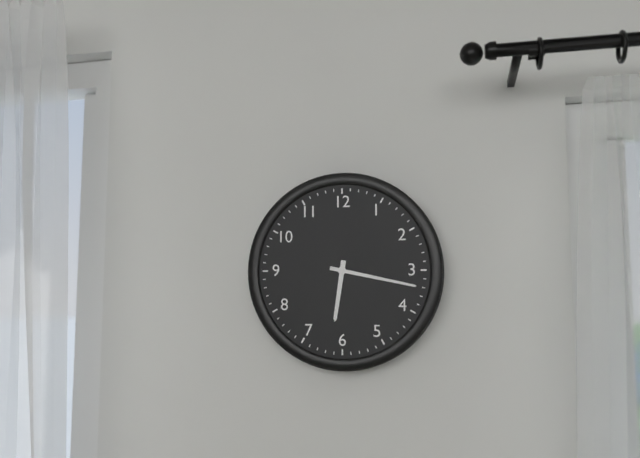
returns 6,17
